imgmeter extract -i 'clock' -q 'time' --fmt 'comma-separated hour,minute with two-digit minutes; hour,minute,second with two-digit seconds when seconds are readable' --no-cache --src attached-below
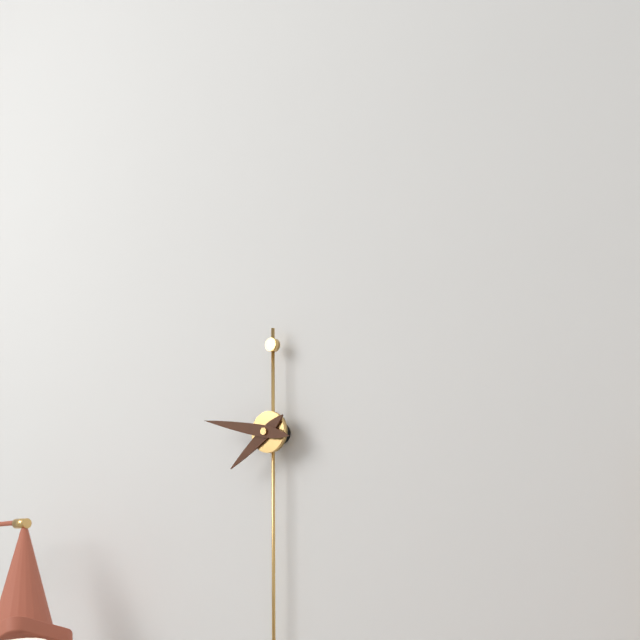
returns 7,47
